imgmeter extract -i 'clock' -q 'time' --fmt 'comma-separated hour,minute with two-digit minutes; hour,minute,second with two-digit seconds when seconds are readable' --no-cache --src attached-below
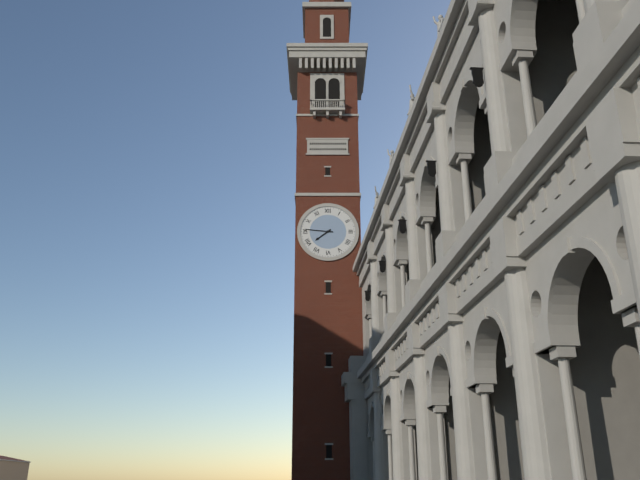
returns 7,46
